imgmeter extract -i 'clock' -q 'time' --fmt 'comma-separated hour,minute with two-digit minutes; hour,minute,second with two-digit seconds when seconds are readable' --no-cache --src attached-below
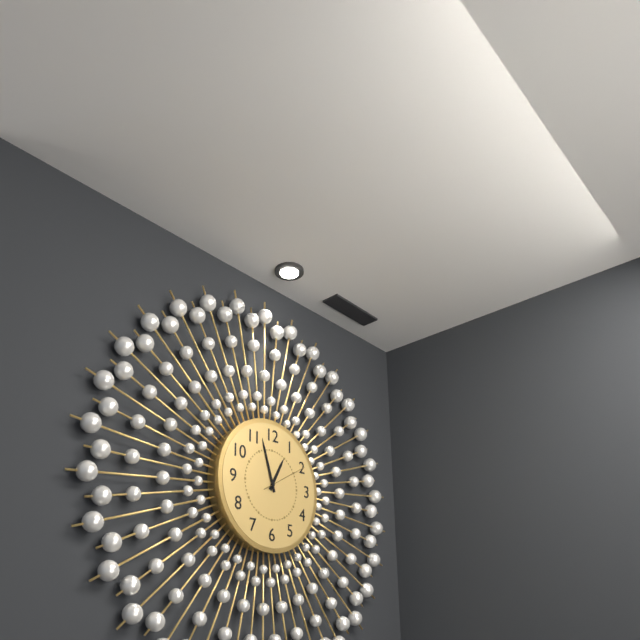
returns 12,57
